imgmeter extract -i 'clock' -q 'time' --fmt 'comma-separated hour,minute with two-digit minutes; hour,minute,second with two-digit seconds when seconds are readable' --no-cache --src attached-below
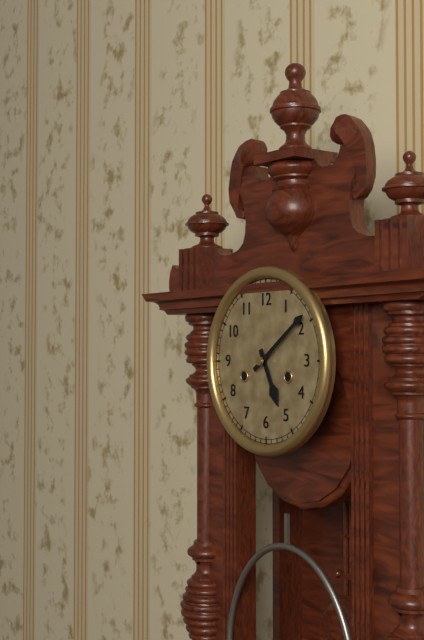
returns 5,09
